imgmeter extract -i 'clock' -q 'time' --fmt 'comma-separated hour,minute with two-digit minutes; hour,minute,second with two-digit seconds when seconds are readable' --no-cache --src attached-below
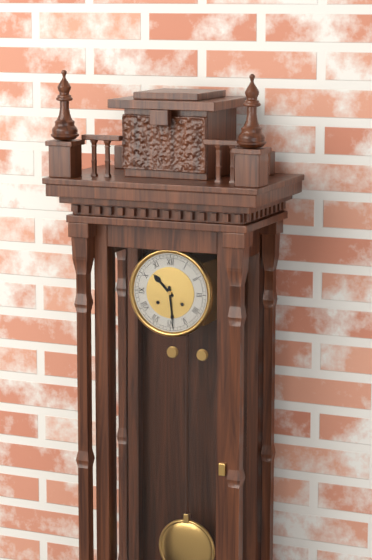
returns 10,29
